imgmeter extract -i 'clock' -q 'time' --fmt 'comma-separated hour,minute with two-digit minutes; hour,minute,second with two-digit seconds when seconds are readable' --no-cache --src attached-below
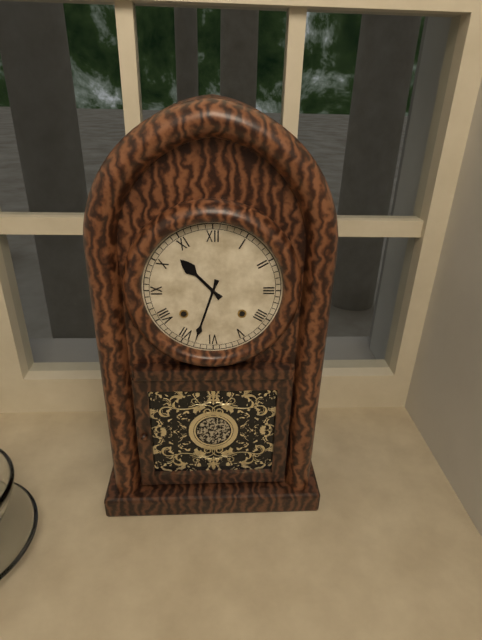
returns 10,33
